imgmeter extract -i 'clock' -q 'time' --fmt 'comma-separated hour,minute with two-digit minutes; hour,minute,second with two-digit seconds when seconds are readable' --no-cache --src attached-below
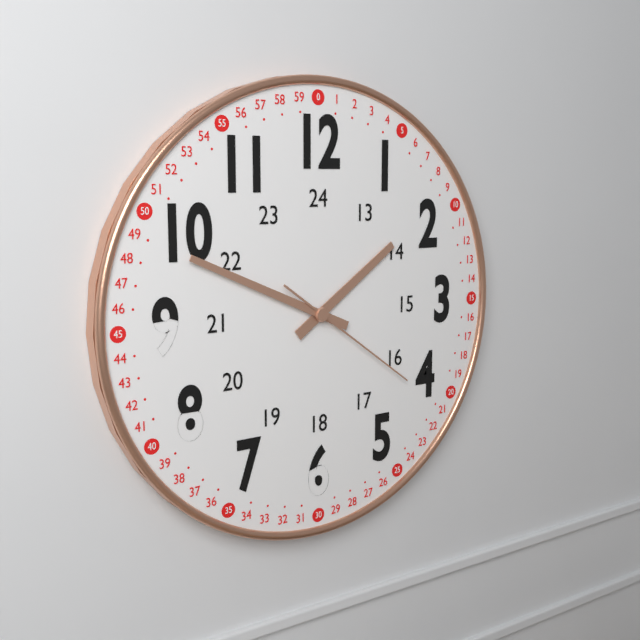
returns 1,49,21
